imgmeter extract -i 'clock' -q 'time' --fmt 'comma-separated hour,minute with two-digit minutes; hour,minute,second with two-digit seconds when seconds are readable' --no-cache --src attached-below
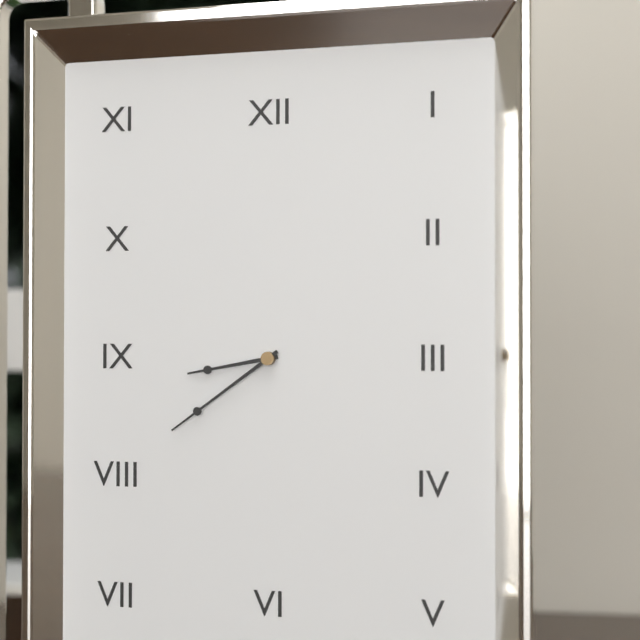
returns 8,39
